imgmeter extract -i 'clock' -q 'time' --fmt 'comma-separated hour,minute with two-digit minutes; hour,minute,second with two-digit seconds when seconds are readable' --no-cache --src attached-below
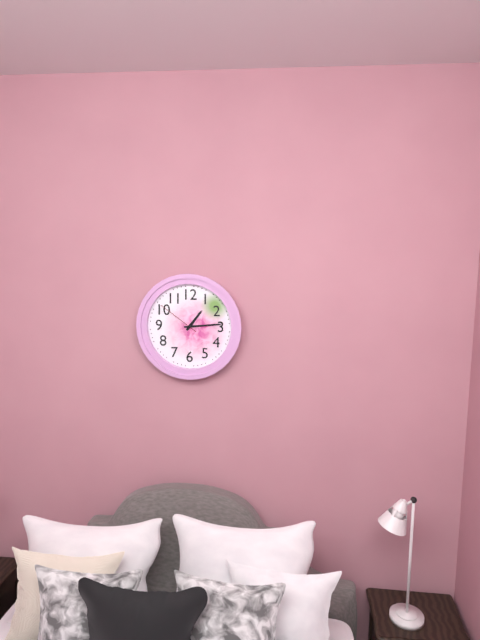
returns 1,14
